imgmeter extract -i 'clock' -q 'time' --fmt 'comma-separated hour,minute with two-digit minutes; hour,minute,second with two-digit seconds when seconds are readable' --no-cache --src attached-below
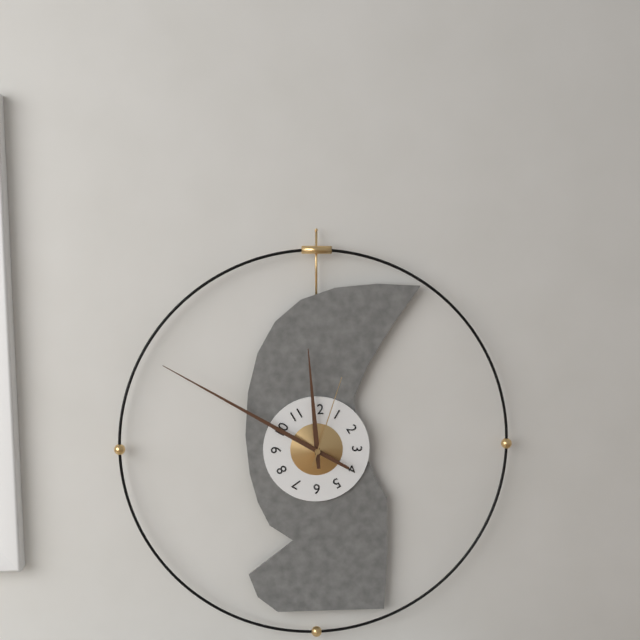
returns 11,50,03
